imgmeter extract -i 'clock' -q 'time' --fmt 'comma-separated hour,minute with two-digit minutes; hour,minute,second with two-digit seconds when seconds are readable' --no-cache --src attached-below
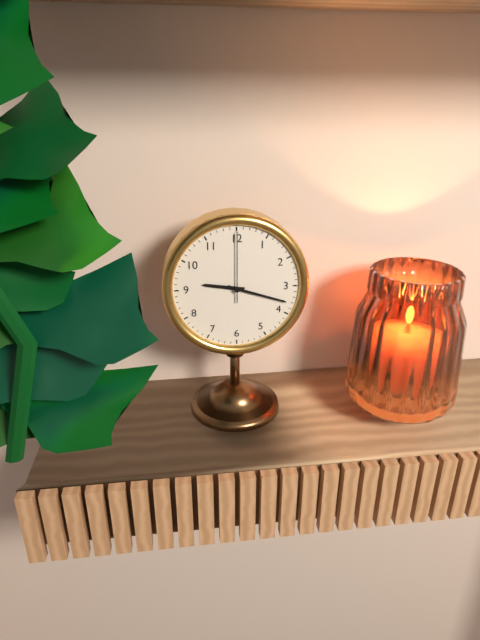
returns 9,18,00
